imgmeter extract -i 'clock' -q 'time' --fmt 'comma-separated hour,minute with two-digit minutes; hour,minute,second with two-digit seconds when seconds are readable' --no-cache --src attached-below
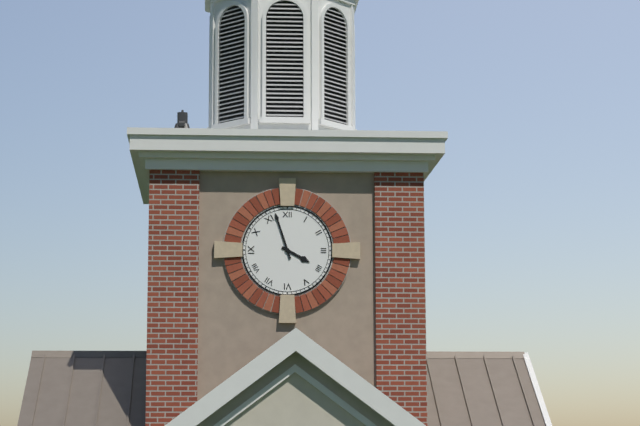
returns 3,57
